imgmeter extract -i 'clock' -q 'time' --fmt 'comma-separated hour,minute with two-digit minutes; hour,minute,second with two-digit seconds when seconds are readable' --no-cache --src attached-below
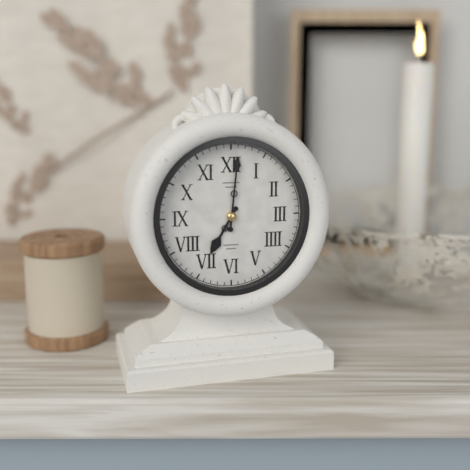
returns 7,01
